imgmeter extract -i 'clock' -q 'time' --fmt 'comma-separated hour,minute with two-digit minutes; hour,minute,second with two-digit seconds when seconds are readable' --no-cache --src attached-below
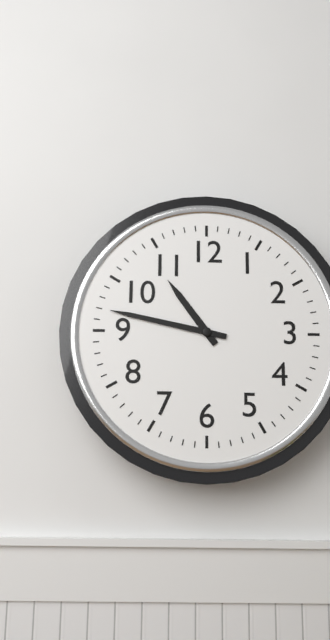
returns 10,47
